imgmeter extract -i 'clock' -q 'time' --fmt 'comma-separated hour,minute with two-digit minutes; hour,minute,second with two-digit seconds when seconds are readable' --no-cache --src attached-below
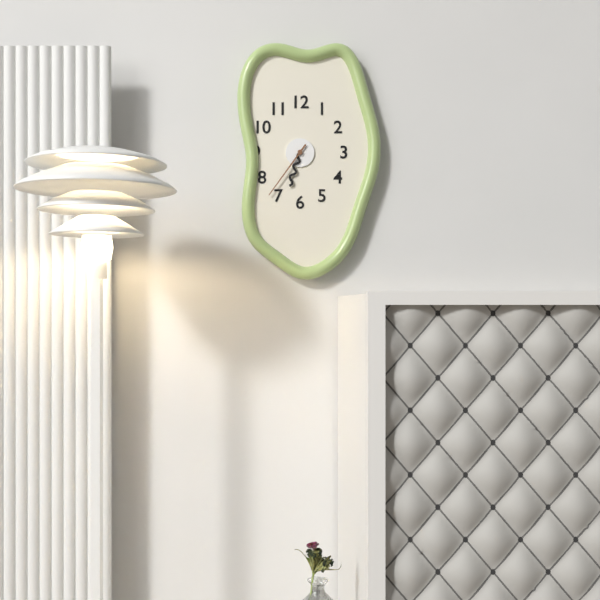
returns 6,36
